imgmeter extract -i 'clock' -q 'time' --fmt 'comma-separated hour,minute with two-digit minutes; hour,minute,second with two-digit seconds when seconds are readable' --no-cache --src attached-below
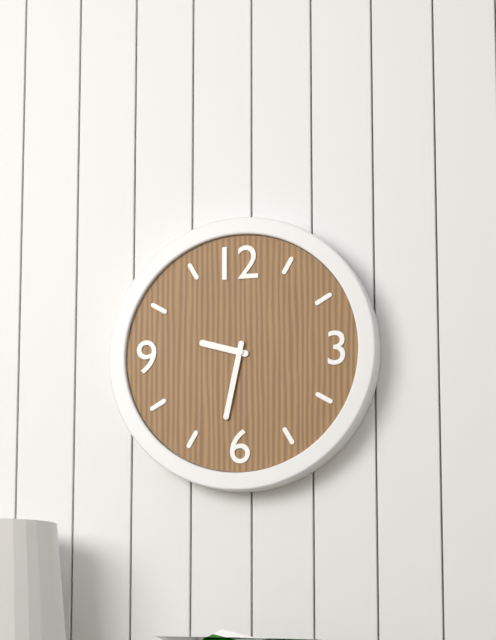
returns 9,32
